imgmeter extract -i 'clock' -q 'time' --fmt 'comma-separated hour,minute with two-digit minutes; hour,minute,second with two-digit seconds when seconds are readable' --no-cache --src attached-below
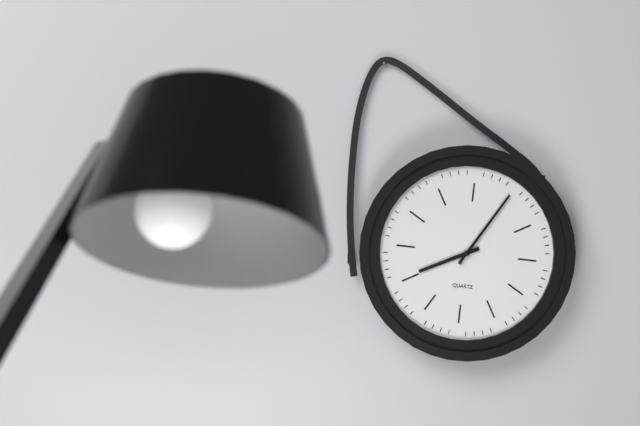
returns 8,05
